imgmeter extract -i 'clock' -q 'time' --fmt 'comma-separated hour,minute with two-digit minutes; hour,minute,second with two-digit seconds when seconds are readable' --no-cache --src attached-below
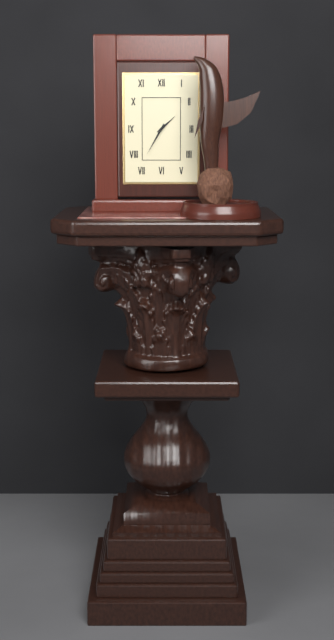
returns 1,35
